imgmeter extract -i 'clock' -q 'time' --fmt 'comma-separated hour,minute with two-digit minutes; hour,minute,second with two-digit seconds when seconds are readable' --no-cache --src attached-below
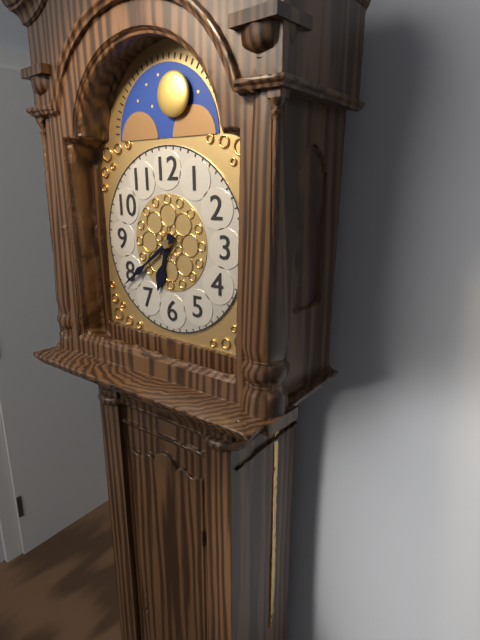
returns 6,39
